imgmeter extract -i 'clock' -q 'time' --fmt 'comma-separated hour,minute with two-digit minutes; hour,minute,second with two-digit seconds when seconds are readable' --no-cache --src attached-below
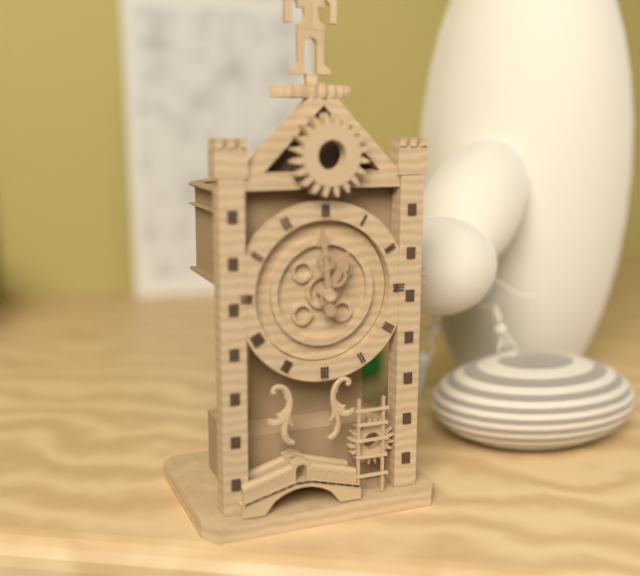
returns 12,59
